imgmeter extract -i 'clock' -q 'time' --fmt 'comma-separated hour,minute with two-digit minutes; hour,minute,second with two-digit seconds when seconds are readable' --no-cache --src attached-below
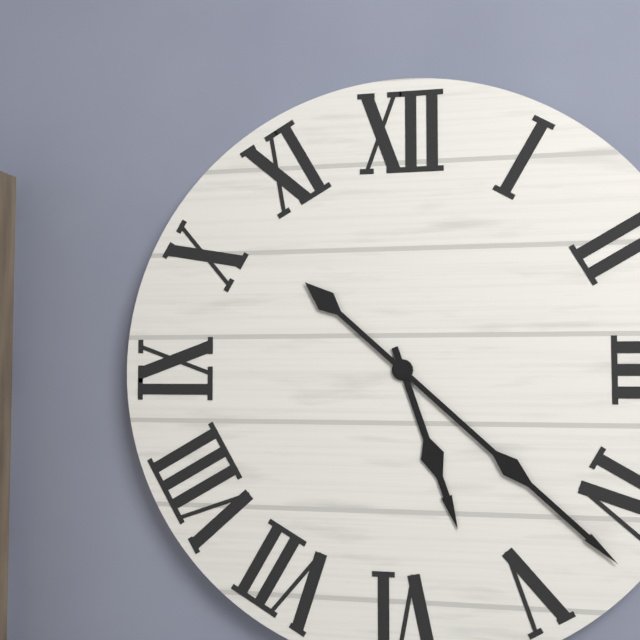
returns 5,22
